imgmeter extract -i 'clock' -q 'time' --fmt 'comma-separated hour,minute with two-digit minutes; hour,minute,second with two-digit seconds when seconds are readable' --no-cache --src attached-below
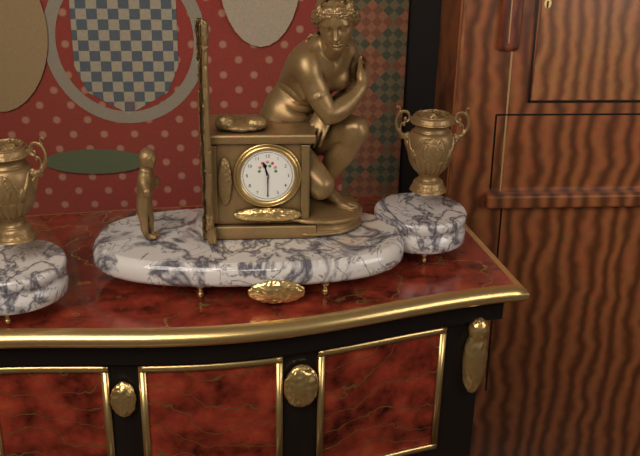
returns 11,30
